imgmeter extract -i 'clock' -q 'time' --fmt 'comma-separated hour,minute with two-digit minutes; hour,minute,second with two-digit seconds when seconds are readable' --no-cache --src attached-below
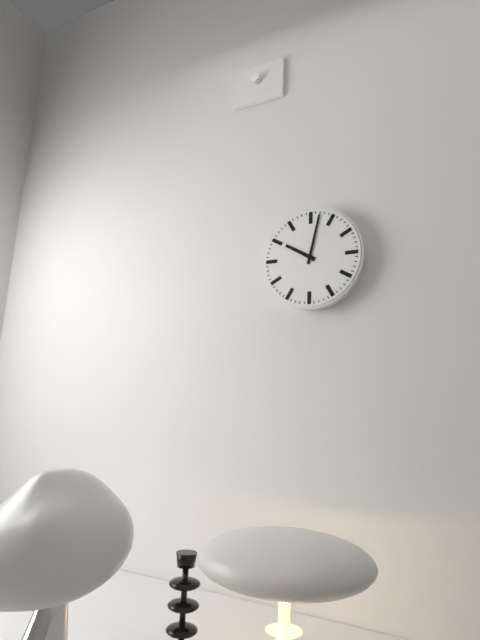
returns 10,02
